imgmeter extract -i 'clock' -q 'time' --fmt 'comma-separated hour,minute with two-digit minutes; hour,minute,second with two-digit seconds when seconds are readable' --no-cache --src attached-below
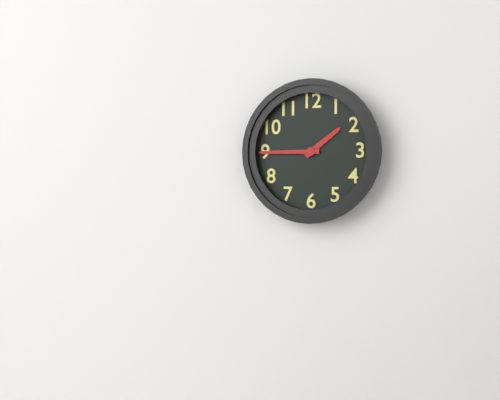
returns 1,45
